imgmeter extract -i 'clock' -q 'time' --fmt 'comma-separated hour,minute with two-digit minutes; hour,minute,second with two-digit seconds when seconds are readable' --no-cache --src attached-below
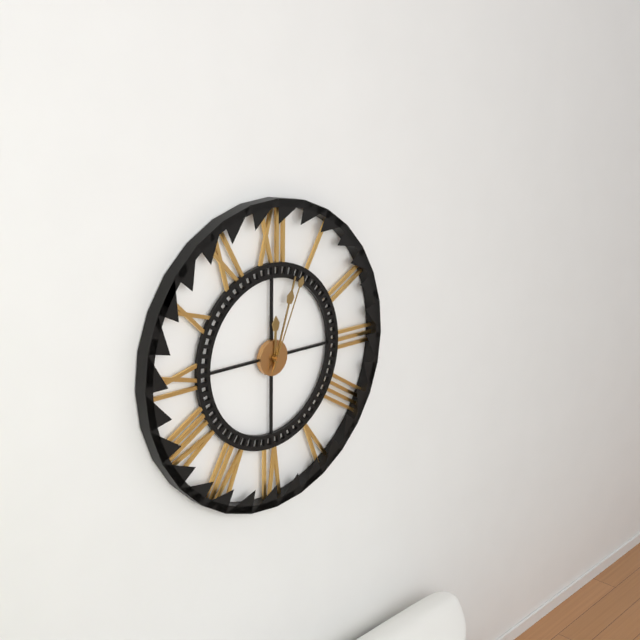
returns 12,03,04
